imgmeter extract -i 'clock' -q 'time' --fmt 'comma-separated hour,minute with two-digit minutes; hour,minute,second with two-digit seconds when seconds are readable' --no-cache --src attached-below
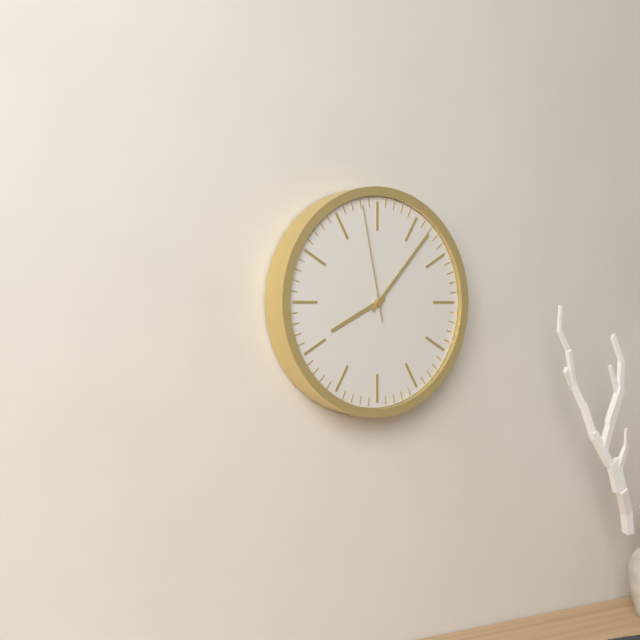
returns 8,07,58
